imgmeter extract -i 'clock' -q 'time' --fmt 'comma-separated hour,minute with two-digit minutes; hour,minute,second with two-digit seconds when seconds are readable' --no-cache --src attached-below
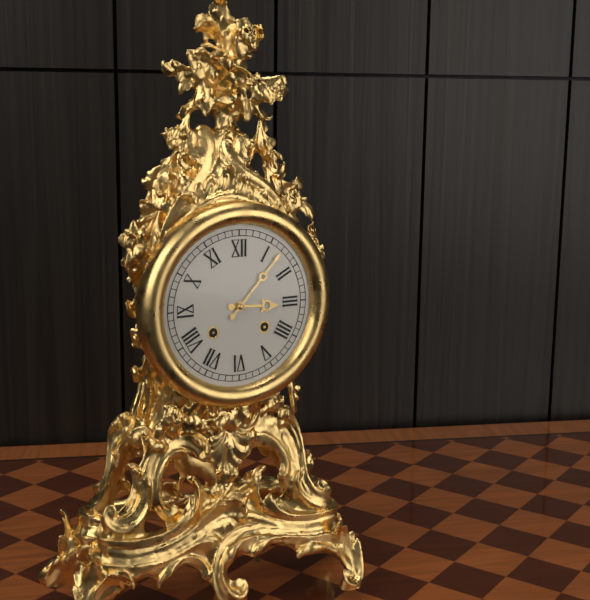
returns 3,07
